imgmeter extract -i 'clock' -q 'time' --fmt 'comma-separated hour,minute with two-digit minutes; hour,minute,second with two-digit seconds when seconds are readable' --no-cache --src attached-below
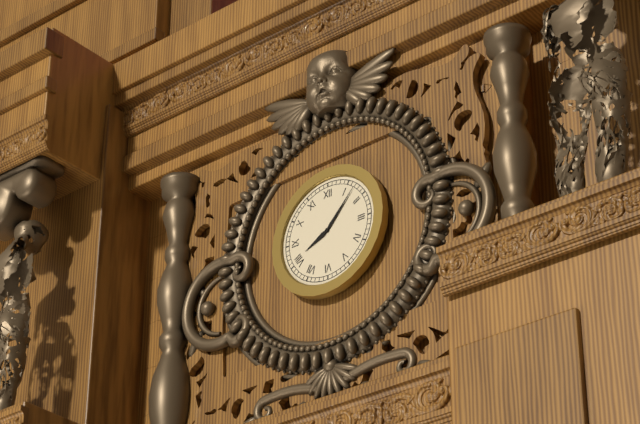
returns 8,07
